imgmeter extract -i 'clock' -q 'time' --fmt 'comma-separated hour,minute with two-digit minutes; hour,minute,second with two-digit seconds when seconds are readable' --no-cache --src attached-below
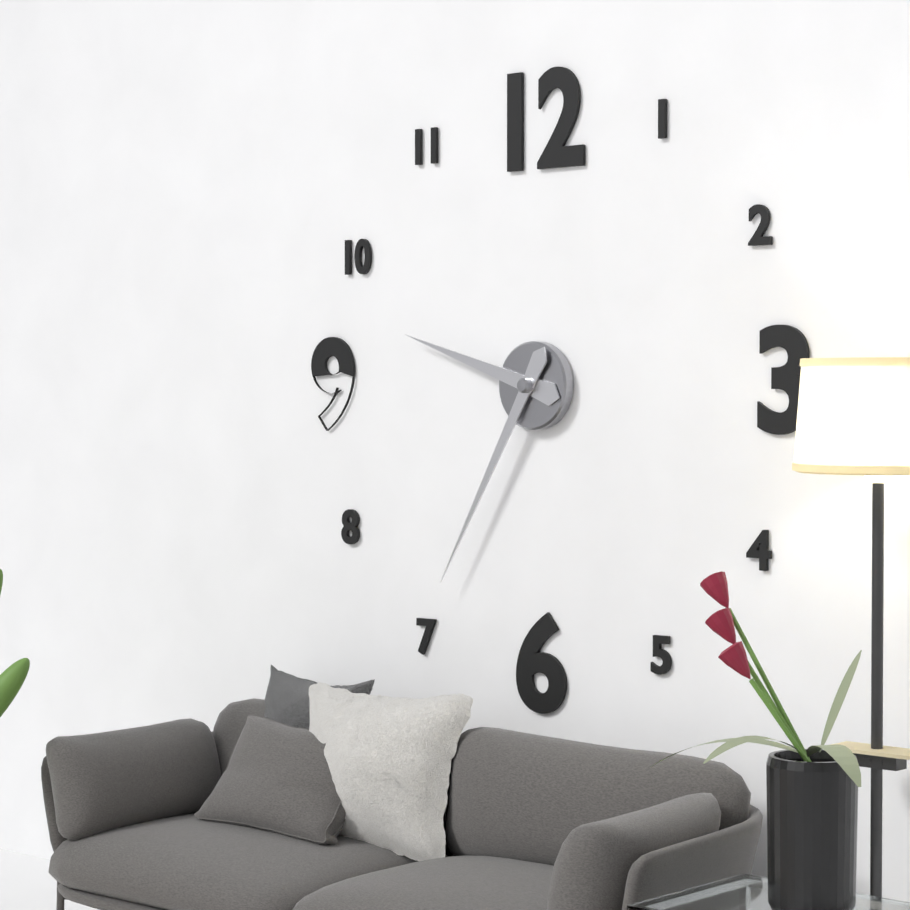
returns 9,35
